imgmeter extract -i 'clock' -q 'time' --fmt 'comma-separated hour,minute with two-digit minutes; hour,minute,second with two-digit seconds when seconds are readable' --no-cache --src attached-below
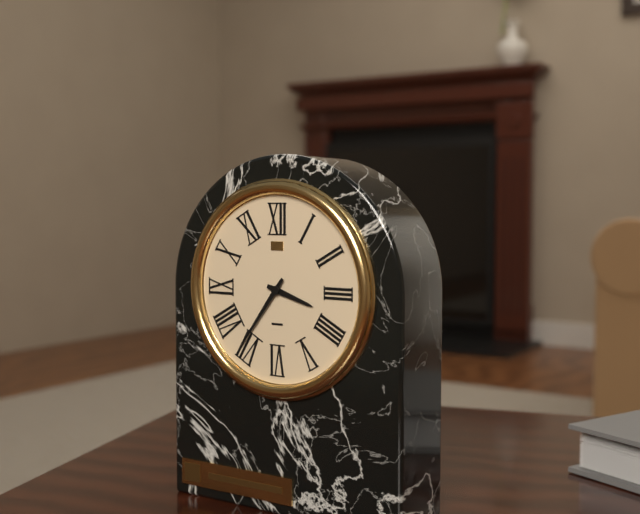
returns 3,36
